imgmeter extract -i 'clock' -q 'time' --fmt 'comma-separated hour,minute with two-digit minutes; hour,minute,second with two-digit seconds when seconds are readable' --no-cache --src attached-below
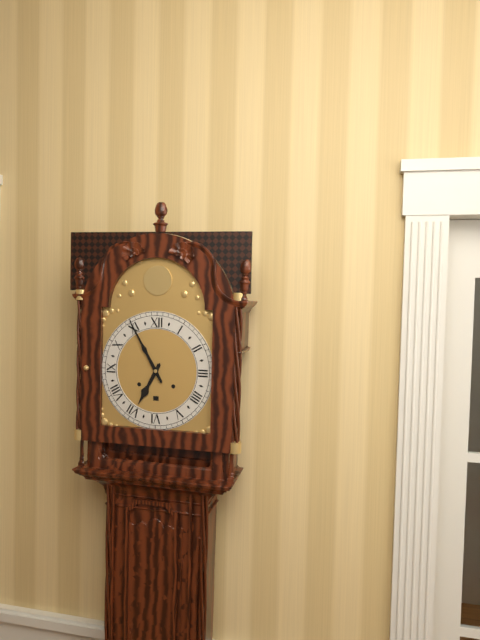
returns 6,55
